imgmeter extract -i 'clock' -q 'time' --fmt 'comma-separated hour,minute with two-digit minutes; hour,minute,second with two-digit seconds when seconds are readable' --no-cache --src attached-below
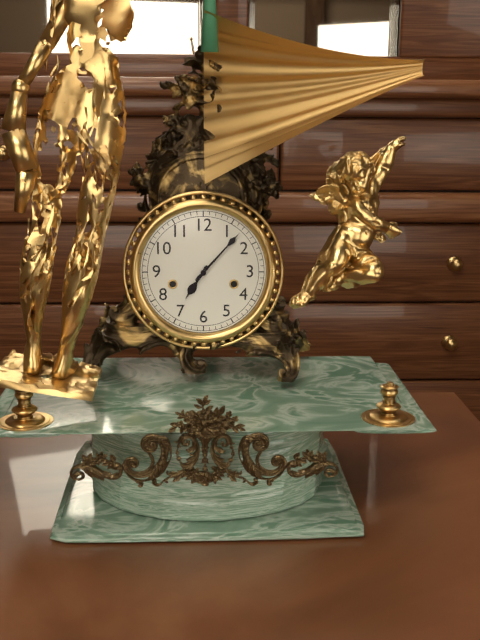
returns 7,07
